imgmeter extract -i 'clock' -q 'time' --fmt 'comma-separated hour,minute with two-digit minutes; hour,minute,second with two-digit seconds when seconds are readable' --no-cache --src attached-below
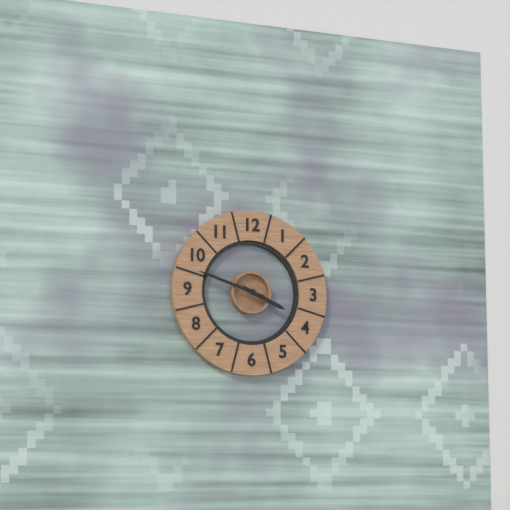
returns 3,48
